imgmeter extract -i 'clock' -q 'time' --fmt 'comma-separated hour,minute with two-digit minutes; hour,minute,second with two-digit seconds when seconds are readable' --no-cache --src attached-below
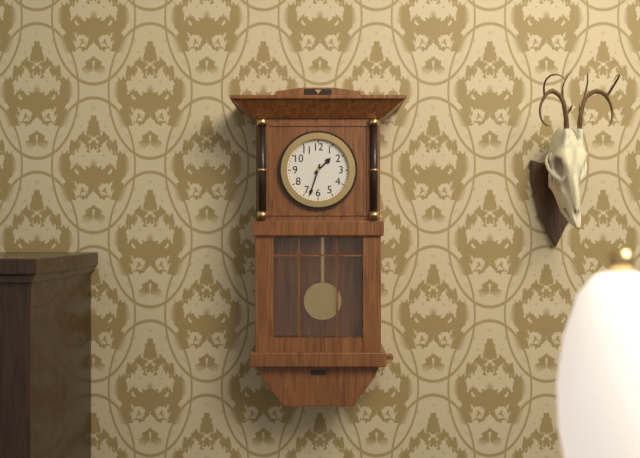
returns 1,33
